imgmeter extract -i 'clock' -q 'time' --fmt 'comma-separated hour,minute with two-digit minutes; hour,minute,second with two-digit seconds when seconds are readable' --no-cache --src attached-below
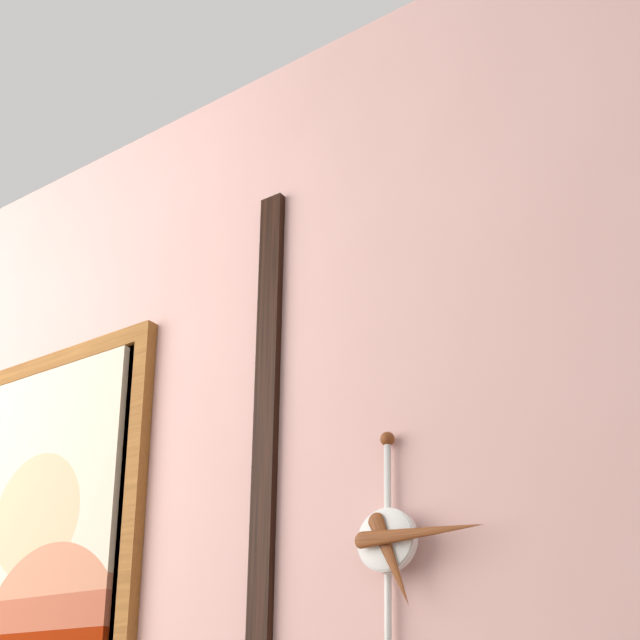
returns 5,15
